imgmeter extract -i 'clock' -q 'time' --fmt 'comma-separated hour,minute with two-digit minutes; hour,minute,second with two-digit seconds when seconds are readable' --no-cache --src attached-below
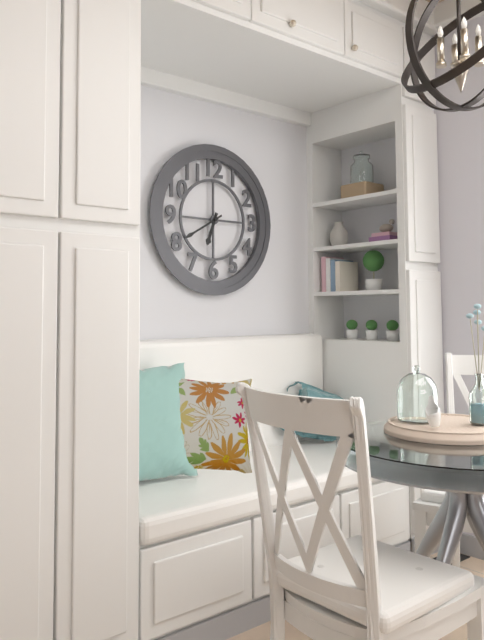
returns 6,40
